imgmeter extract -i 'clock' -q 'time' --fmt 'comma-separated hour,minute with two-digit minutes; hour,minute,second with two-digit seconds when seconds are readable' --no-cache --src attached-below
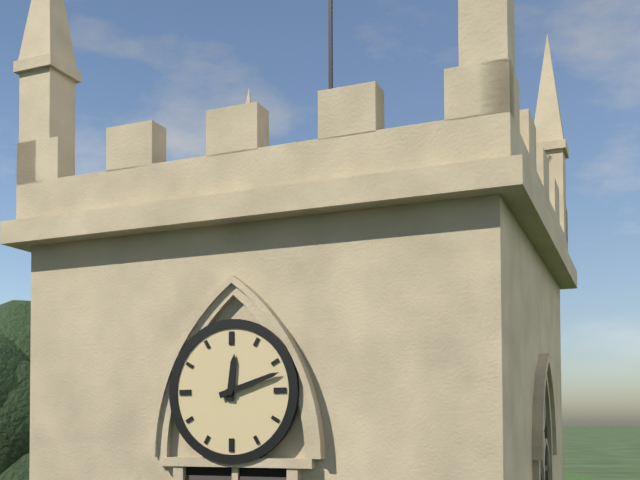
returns 12,12
